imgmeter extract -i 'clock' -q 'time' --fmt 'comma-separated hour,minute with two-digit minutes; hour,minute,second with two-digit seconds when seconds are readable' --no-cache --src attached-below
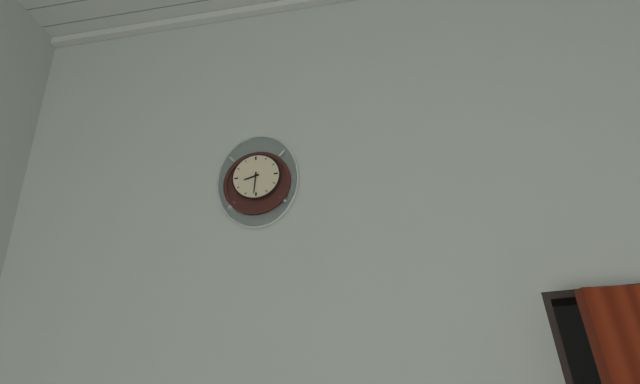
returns 8,31
